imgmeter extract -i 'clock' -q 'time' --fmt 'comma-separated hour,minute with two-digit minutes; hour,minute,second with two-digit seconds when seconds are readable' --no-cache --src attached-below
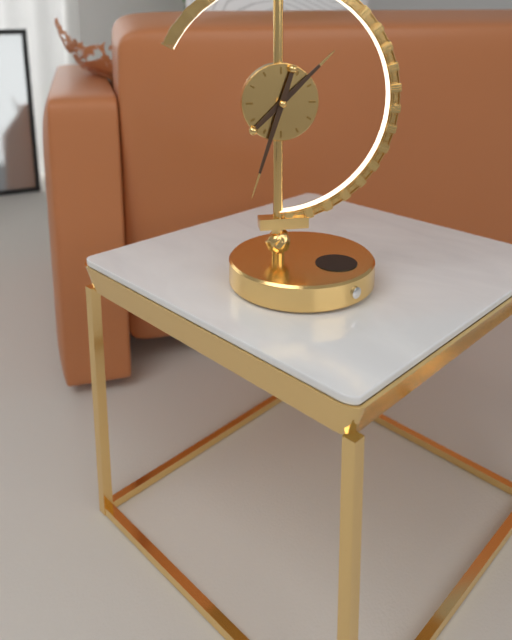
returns 1,33
